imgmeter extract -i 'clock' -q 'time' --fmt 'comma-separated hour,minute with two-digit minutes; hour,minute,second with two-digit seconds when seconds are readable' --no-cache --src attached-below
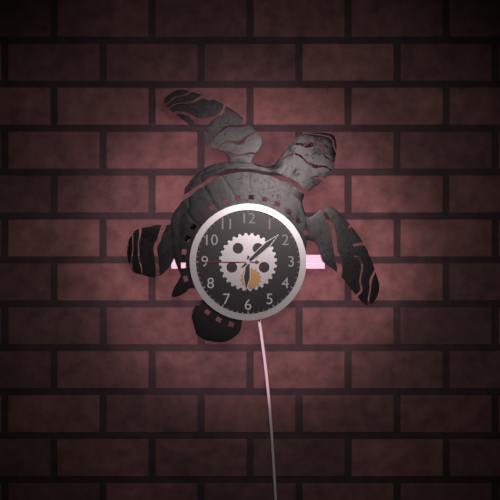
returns 6,08,45
